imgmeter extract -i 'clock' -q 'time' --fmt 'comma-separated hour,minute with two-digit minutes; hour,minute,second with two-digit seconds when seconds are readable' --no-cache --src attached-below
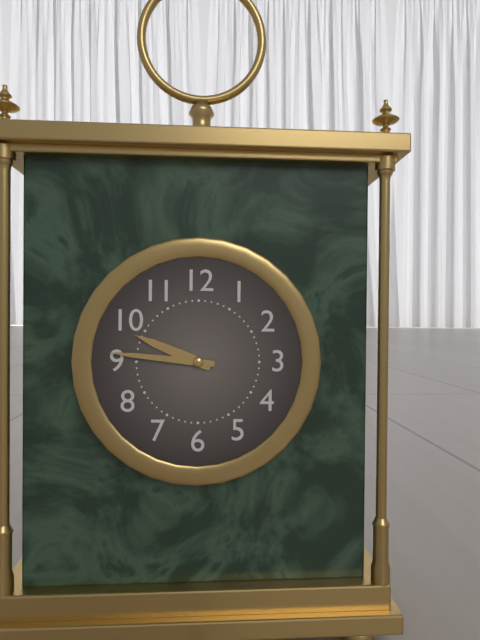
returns 9,46
